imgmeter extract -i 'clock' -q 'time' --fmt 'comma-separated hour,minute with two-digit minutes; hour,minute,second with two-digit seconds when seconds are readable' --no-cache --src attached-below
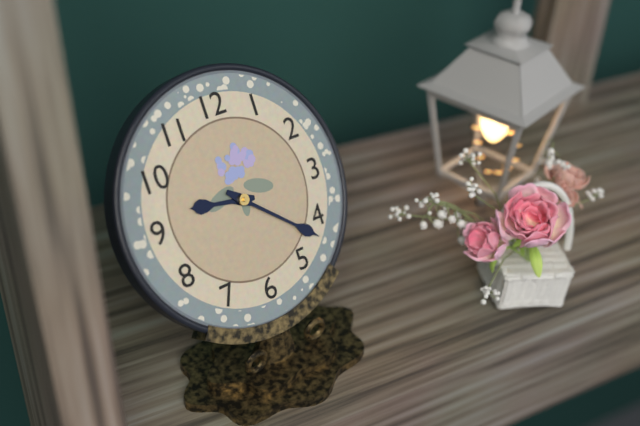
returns 9,22
